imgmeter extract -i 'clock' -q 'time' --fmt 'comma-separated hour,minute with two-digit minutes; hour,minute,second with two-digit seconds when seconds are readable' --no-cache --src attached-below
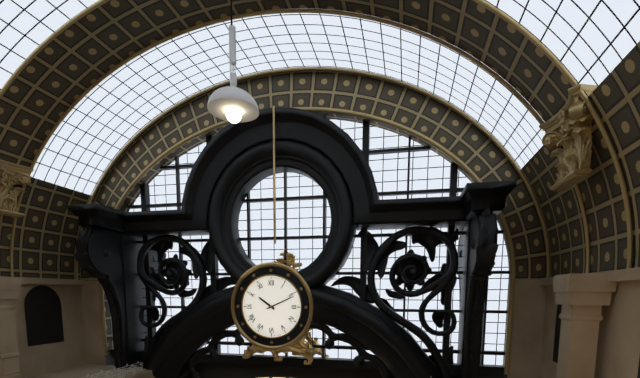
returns 10,11
